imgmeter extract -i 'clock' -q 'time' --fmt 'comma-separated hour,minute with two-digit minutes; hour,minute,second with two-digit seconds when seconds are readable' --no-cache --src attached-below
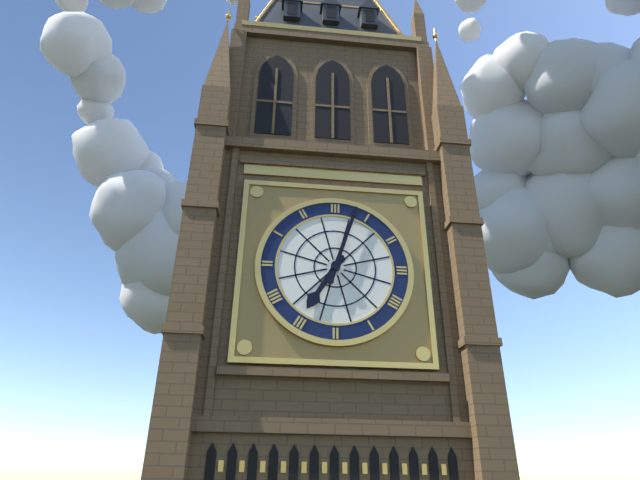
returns 7,03
